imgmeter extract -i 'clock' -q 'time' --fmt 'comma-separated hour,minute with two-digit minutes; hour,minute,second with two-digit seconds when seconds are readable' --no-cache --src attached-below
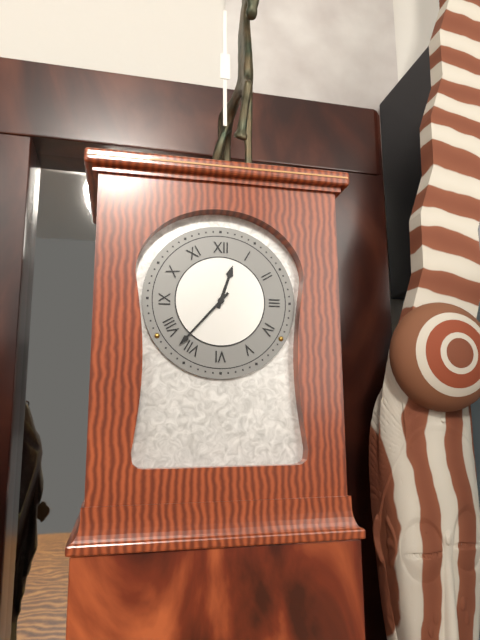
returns 12,37
